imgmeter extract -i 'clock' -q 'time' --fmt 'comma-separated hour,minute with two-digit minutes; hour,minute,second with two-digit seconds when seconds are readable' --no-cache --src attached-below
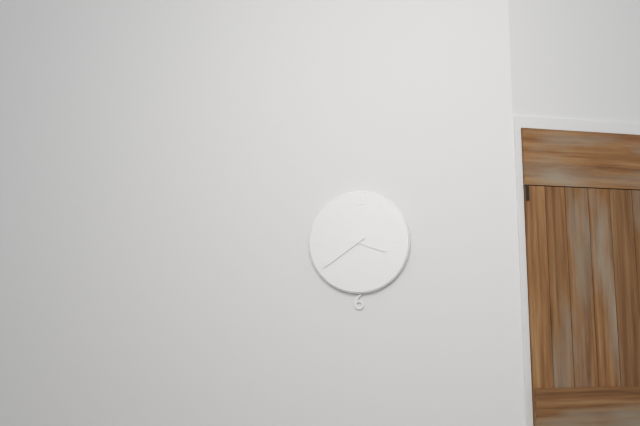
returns 3,39
